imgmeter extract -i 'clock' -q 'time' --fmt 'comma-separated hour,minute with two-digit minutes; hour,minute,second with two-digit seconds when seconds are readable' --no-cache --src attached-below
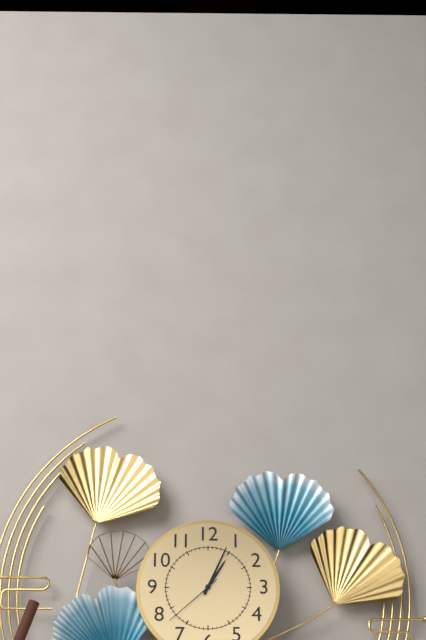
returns 1,04,38
